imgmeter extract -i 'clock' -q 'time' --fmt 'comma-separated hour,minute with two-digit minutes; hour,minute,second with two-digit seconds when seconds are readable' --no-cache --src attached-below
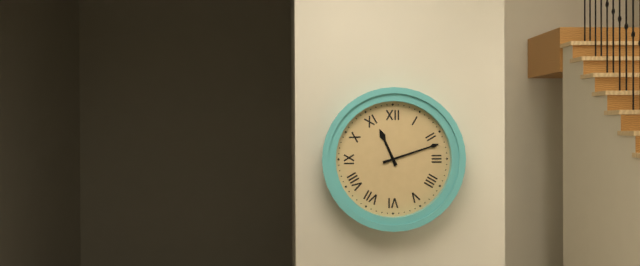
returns 11,12
